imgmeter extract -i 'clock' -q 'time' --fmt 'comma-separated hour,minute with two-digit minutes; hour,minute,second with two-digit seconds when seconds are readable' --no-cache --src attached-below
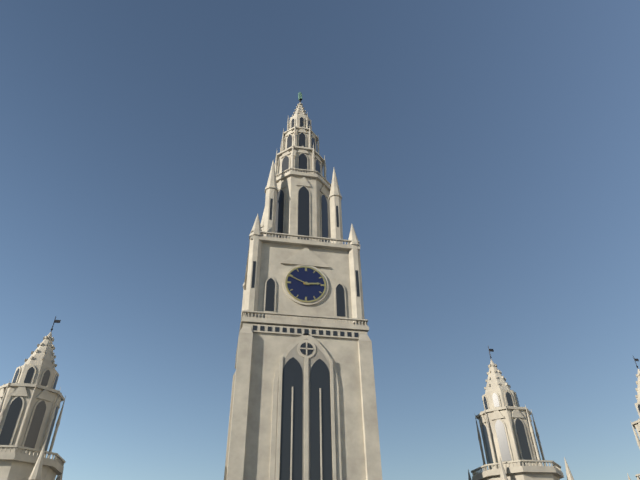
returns 2,49
